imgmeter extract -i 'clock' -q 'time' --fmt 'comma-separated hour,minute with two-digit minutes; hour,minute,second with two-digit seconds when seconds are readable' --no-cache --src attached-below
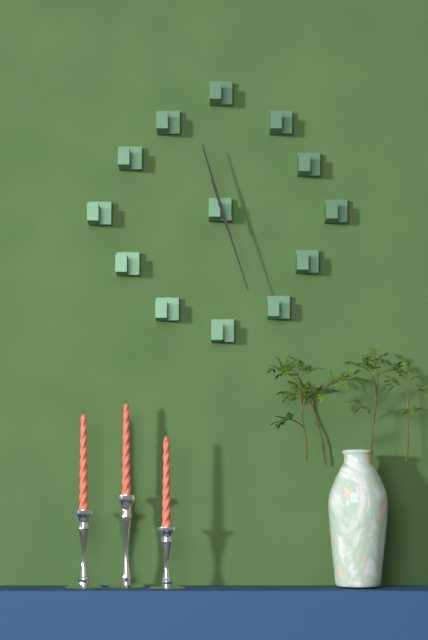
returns 11,27
